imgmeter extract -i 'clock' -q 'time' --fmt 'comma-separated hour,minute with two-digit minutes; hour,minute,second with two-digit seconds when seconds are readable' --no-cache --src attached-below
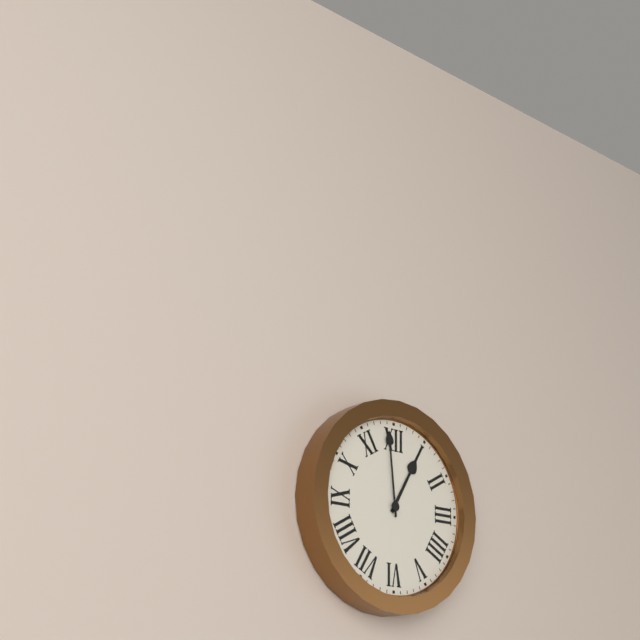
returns 12,59
